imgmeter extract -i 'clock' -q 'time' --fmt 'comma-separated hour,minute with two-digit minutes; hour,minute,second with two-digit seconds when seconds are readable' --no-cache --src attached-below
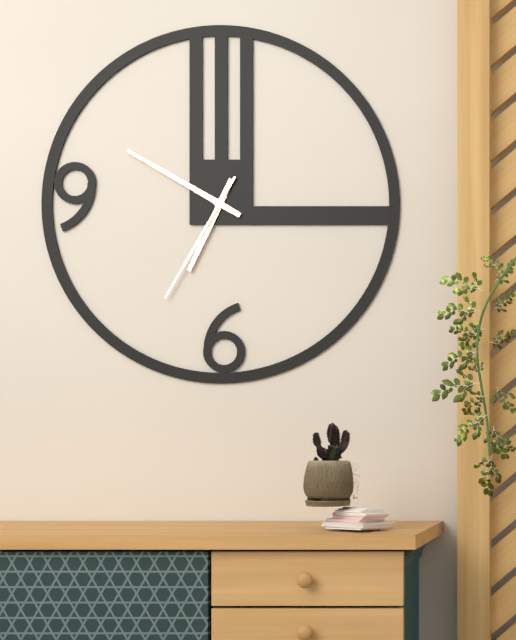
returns 6,50,35
